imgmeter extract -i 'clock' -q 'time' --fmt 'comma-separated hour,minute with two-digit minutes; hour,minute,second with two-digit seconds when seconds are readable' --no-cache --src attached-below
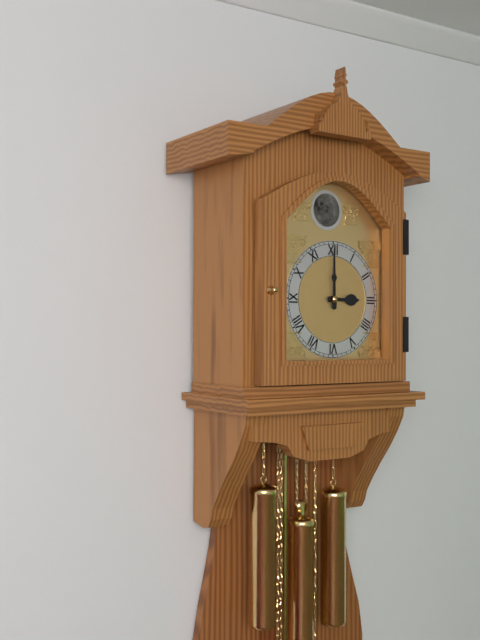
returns 3,00
